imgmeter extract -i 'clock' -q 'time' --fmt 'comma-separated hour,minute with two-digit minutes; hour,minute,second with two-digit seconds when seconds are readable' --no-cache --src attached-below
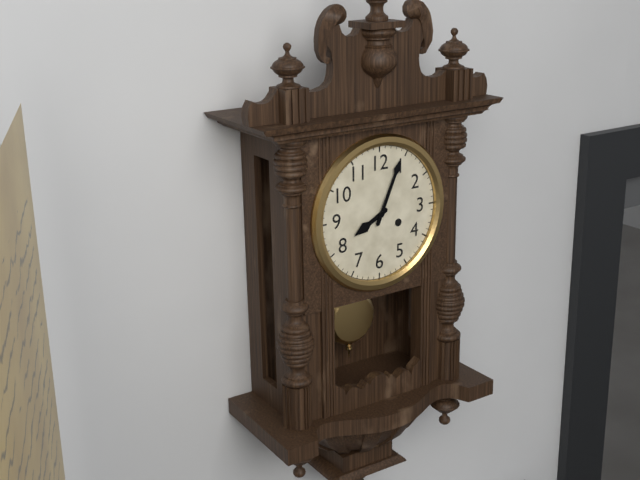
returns 8,04
